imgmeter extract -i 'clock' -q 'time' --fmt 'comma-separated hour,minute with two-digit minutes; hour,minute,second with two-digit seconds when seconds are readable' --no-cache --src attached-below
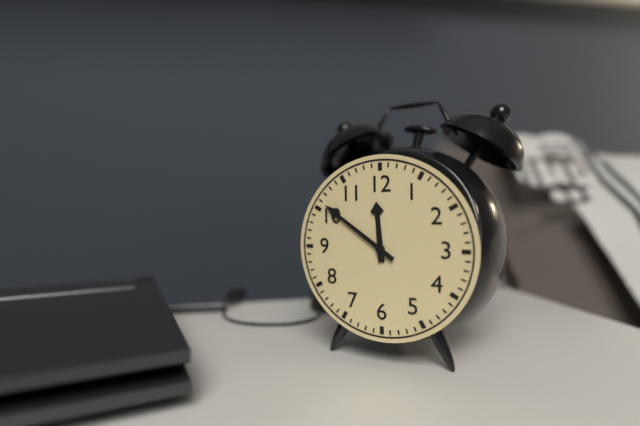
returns 11,51
